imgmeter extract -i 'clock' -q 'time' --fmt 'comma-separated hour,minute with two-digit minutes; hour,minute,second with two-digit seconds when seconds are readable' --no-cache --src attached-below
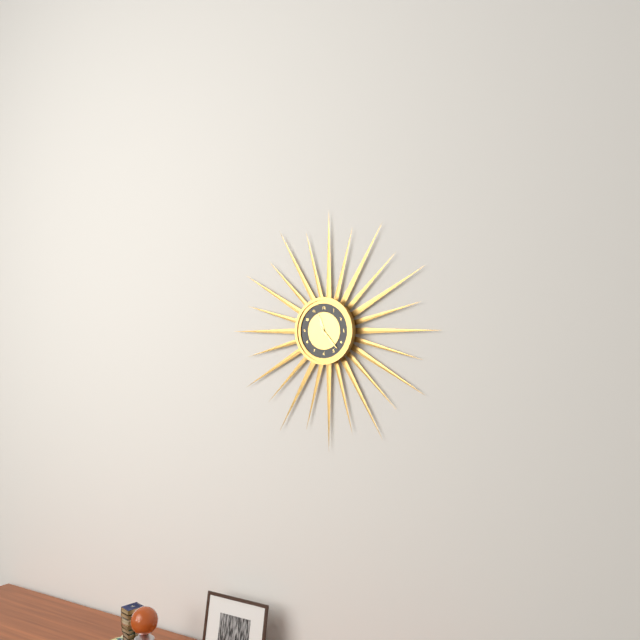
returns 11,23
